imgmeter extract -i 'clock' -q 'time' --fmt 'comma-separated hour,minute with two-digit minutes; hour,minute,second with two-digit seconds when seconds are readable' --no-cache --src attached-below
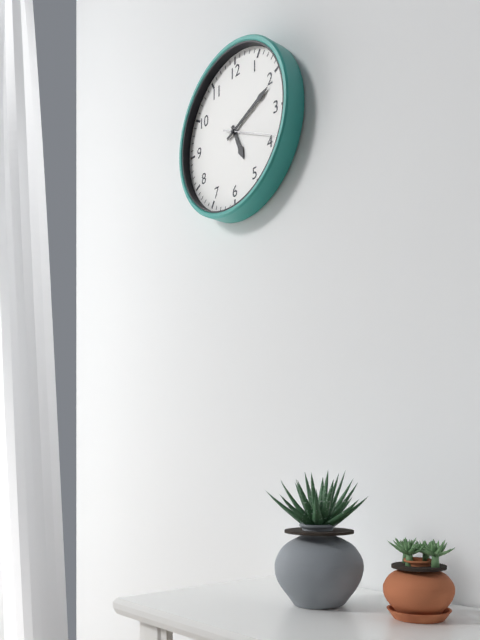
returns 5,11
